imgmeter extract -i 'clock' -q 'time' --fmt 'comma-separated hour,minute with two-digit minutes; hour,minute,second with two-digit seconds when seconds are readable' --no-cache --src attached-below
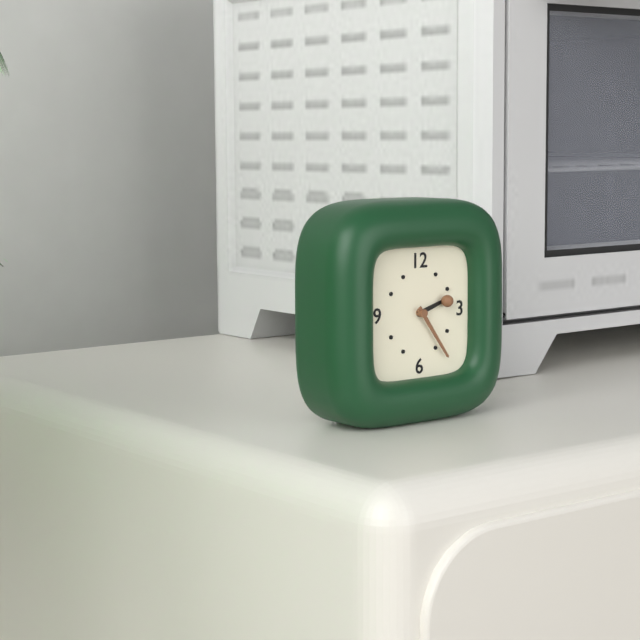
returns 2,24
